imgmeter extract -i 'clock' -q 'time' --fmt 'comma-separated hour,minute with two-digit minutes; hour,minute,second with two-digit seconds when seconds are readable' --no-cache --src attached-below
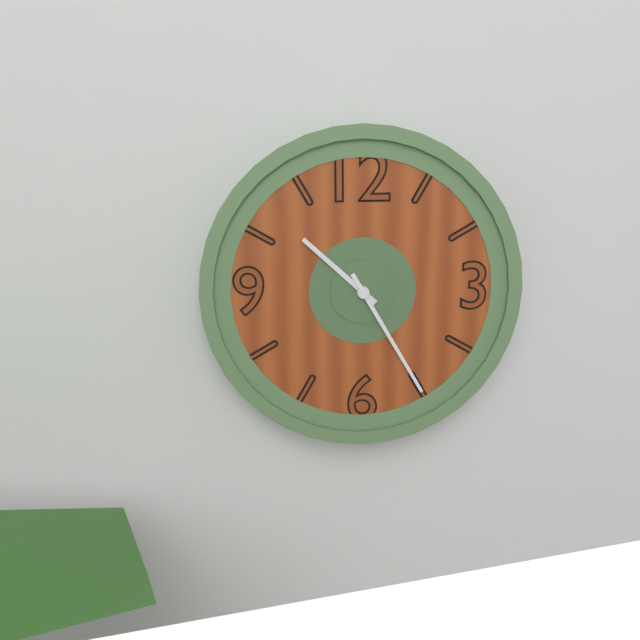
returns 10,25
